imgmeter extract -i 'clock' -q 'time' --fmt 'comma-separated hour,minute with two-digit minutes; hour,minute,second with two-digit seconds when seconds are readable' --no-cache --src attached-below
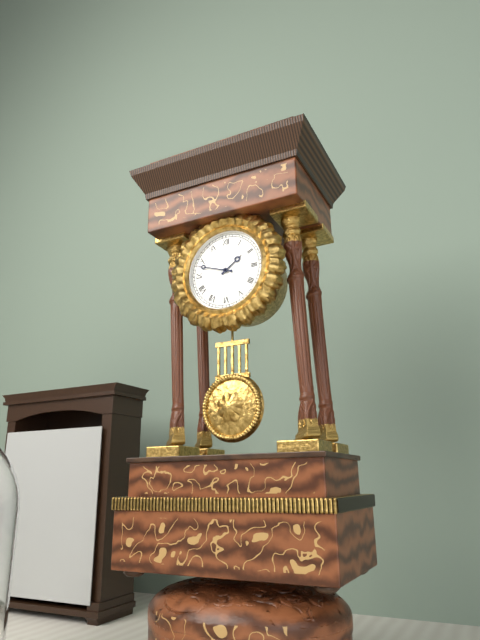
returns 1,48
